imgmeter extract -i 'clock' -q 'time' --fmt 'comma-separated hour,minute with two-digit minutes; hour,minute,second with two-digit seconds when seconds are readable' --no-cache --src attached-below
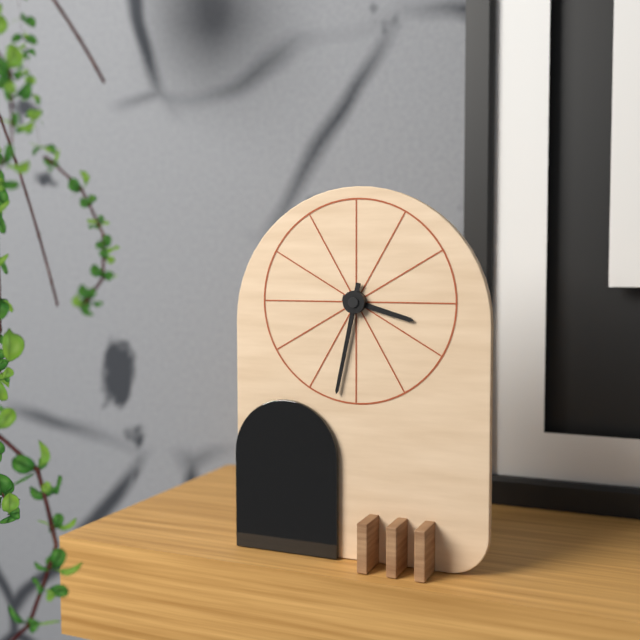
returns 3,32
